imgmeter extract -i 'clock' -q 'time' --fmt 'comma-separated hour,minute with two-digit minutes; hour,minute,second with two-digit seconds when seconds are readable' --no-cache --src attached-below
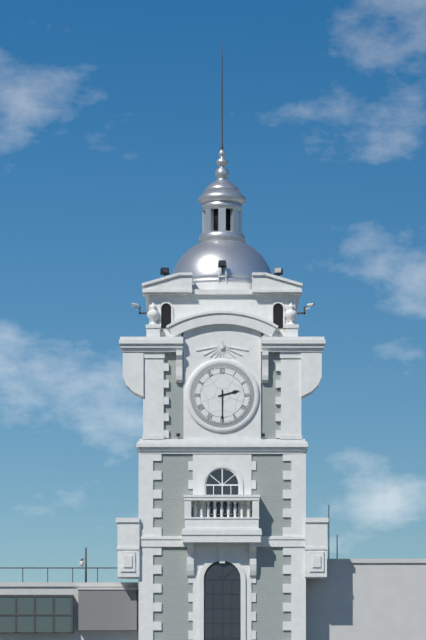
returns 2,30
